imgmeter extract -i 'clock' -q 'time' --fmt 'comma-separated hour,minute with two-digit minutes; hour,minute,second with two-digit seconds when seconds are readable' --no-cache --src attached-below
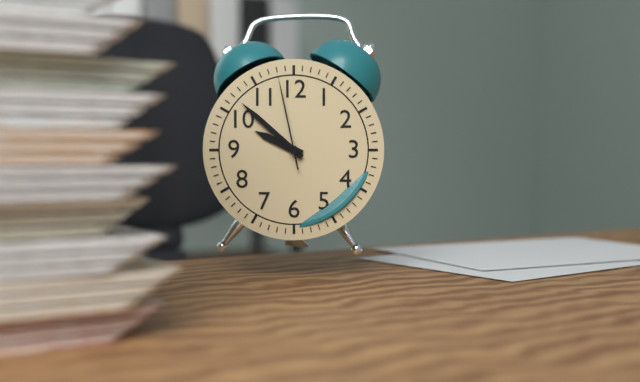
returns 9,52,58
